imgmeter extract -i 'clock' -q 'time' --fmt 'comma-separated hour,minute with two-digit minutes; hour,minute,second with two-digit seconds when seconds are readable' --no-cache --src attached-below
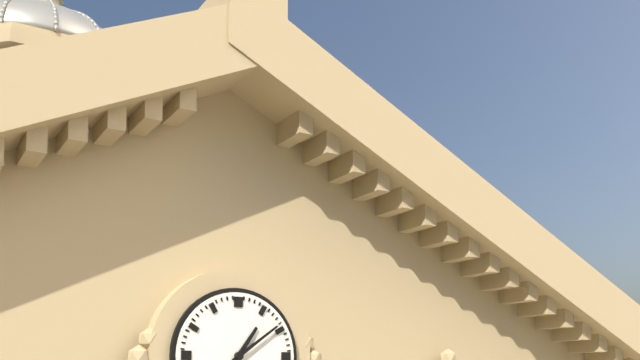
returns 1,09
